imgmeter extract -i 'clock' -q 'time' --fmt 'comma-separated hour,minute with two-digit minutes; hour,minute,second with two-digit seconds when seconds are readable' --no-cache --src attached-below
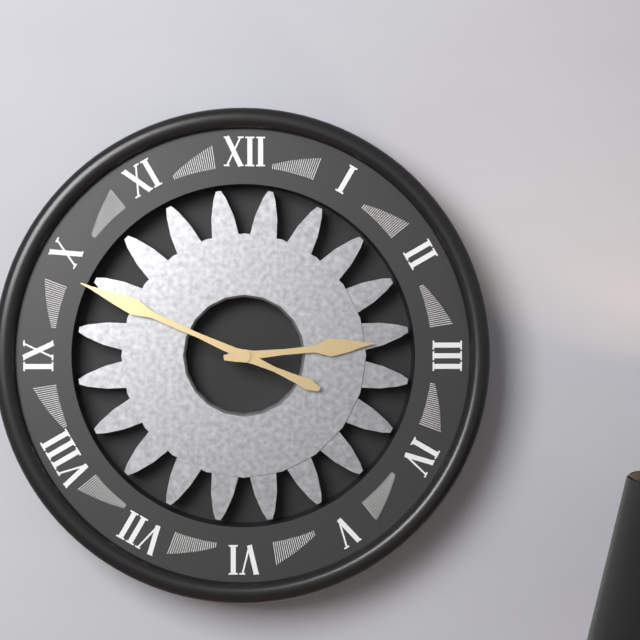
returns 2,49
